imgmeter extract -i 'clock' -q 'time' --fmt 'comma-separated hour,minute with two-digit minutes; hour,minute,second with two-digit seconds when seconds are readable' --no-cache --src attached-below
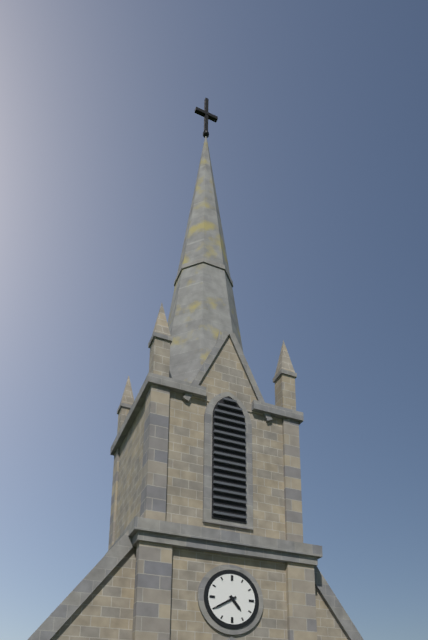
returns 4,40
